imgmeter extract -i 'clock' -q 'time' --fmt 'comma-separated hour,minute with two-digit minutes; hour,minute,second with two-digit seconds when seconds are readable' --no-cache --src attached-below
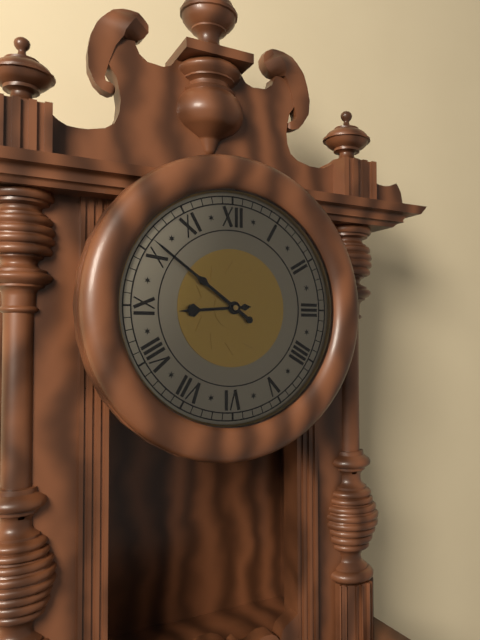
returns 8,51
